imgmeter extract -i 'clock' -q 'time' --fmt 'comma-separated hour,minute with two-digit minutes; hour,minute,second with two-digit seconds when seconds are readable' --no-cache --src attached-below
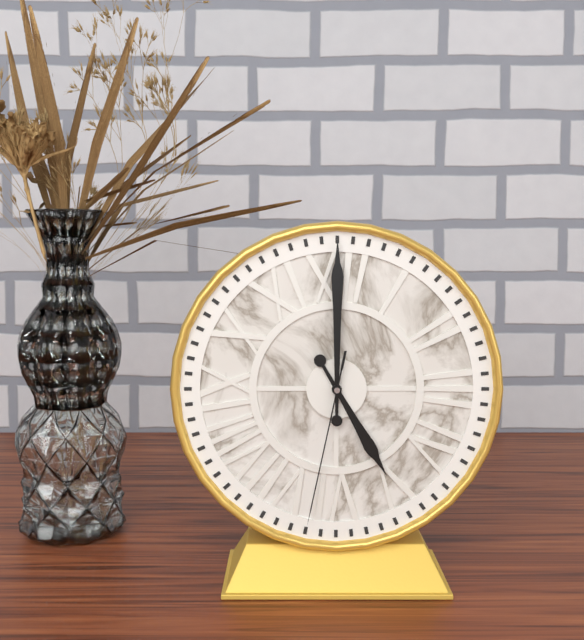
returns 5,00,32
